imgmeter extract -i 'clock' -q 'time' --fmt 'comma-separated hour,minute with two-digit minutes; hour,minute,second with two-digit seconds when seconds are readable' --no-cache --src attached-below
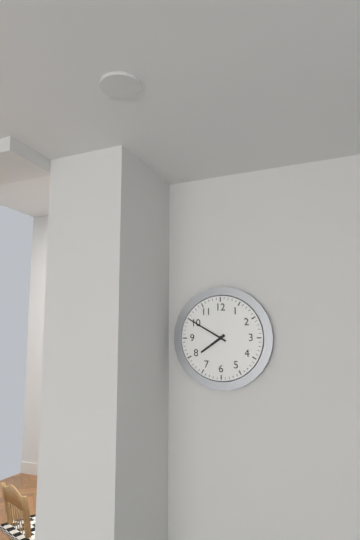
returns 7,50
